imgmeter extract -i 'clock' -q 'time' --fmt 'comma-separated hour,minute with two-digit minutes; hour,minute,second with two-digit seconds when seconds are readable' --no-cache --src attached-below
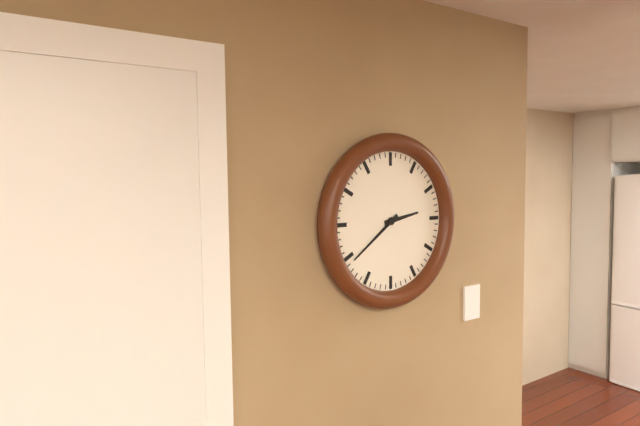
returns 2,39
